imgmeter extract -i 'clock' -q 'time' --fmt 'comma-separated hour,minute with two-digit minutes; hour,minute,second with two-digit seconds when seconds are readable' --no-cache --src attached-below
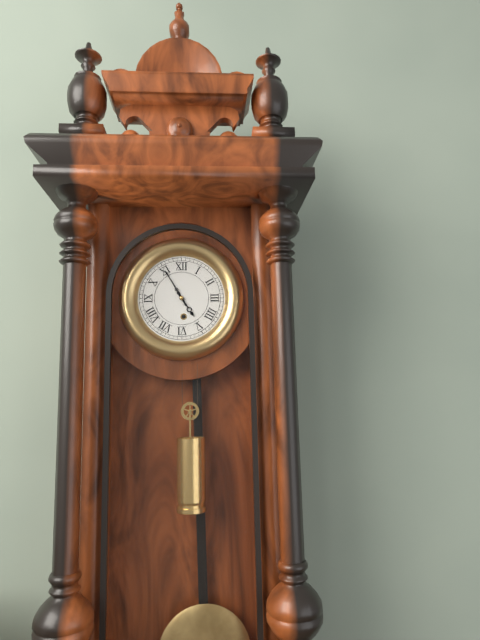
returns 4,55
